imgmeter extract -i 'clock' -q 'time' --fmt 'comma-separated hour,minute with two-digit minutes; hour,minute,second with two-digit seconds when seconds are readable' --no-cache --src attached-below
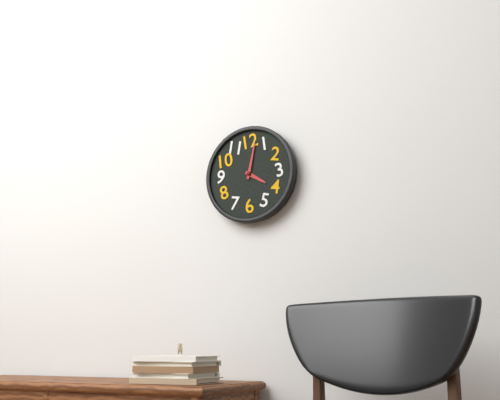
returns 4,02
